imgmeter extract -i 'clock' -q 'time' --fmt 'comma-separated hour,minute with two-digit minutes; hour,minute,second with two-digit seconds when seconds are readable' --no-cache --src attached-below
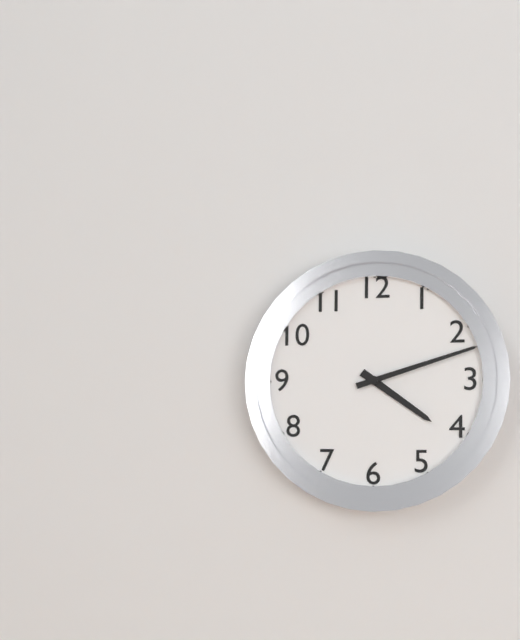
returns 4,12
